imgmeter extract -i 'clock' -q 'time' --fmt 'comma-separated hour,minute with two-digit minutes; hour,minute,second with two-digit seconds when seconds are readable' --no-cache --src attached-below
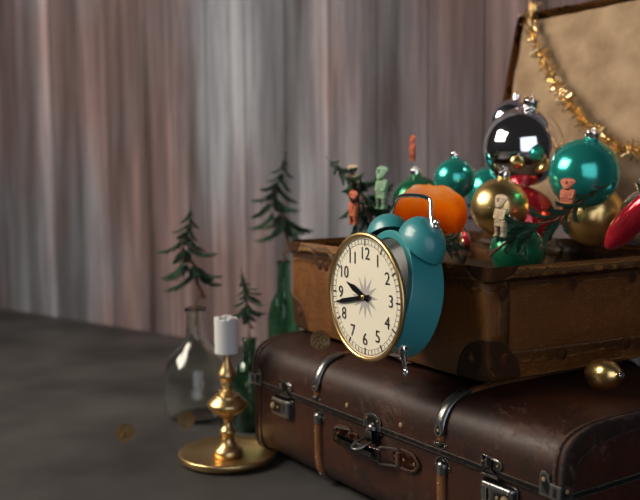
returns 9,43
